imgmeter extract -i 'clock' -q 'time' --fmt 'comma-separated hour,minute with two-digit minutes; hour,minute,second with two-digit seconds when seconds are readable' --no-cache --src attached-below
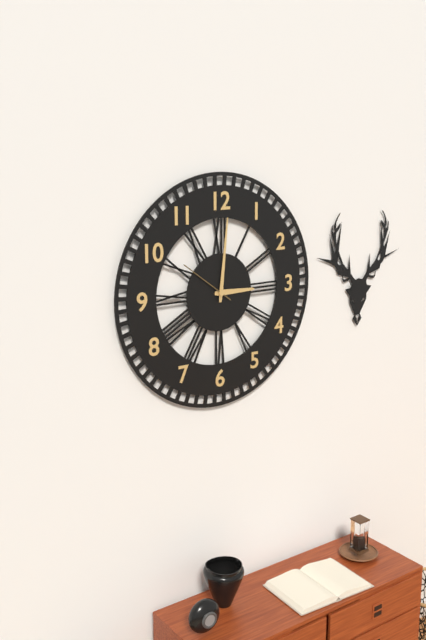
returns 3,01,51
